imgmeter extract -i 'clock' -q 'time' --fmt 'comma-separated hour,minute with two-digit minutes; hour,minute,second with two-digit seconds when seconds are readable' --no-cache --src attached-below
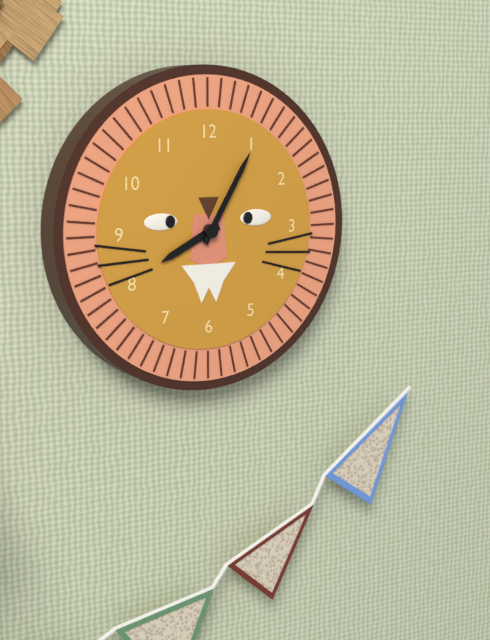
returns 8,05
